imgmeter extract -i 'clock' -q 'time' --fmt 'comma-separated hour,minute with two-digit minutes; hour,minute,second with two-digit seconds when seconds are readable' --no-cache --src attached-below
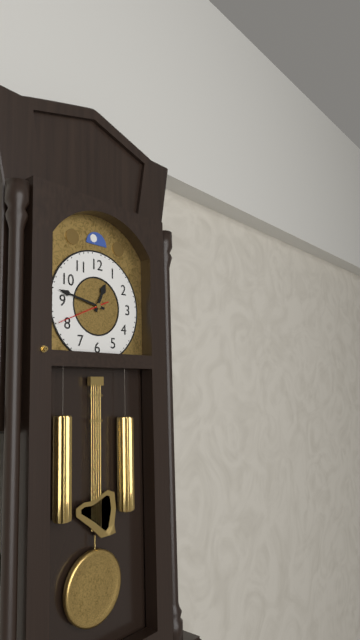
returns 12,47,41
